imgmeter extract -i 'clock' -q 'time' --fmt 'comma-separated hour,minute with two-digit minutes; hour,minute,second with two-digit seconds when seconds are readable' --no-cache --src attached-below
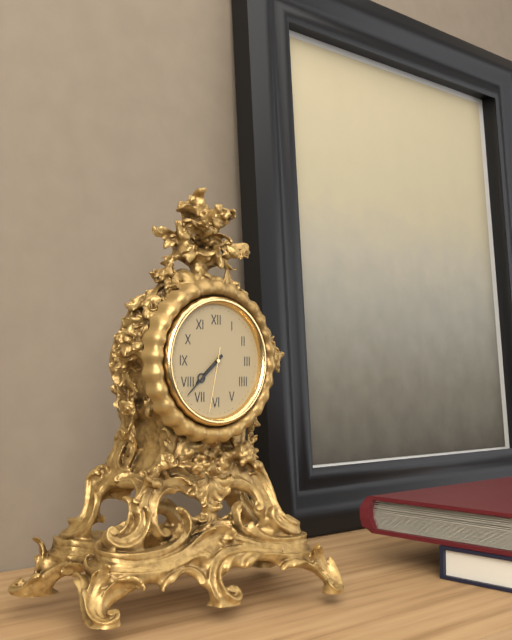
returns 7,38,32
